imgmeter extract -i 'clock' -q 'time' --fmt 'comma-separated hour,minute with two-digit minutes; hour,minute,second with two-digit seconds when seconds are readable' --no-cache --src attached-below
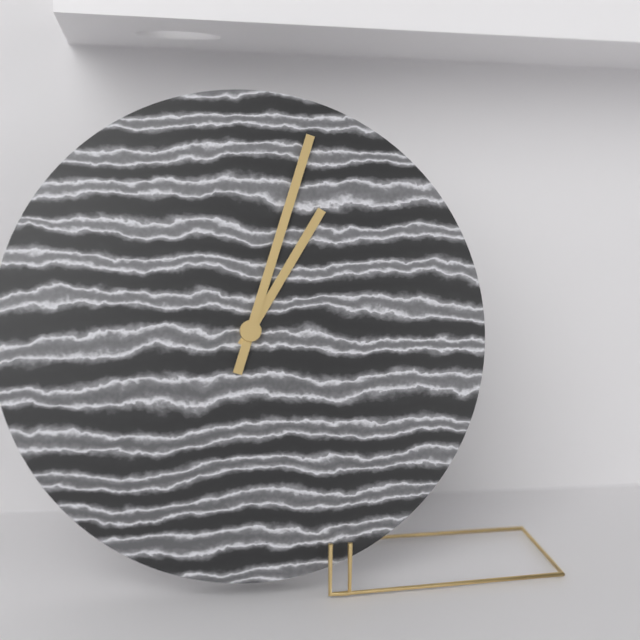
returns 1,03
